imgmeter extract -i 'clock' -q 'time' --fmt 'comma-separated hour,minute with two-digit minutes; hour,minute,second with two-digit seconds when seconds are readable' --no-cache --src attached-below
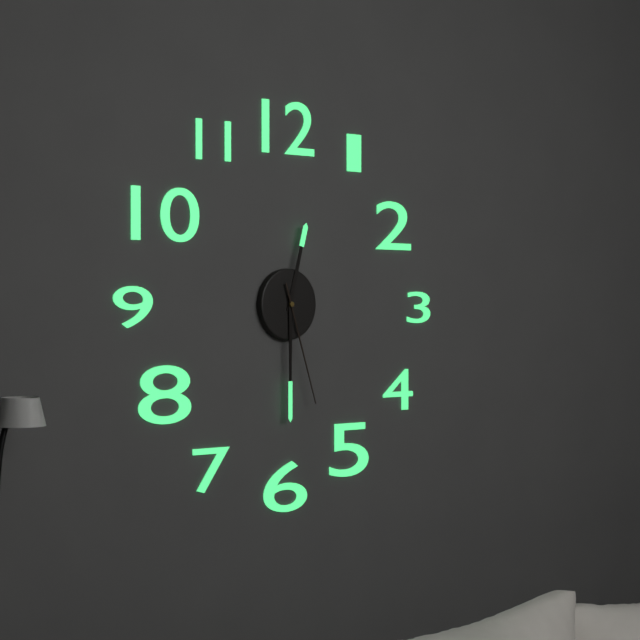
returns 12,30,27
